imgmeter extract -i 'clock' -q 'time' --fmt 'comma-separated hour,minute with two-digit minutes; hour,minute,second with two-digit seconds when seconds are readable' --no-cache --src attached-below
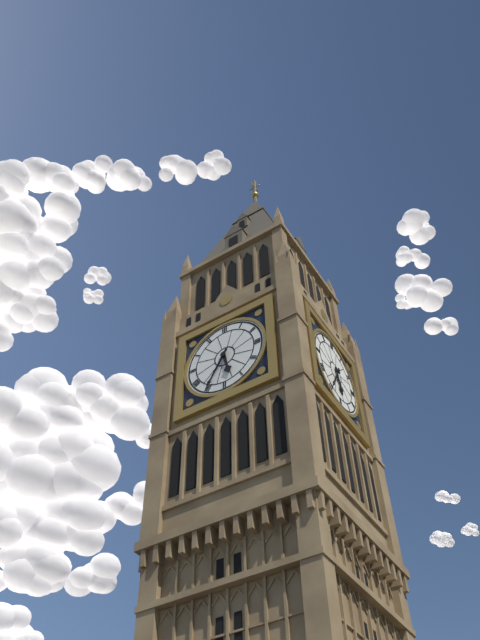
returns 5,35
